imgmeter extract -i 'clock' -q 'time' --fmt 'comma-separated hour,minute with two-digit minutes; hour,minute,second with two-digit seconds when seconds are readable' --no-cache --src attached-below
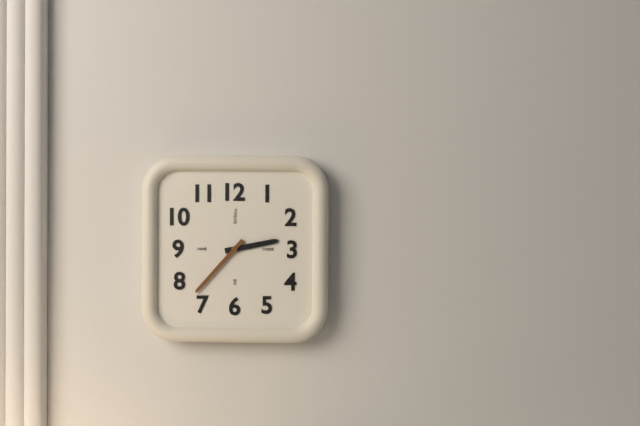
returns 2,37
